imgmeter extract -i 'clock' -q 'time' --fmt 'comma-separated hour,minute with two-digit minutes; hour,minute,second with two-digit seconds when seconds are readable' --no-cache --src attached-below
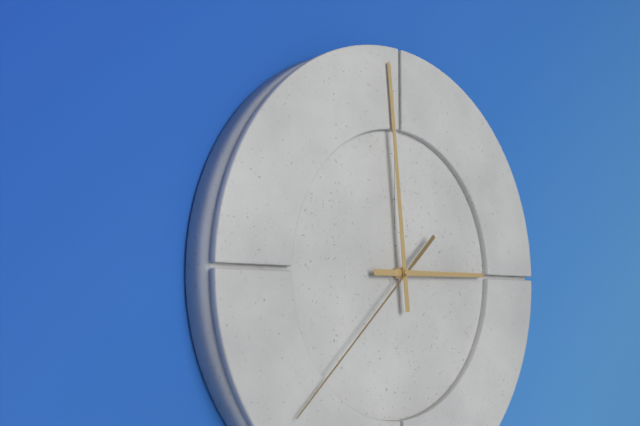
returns 2,59,38
